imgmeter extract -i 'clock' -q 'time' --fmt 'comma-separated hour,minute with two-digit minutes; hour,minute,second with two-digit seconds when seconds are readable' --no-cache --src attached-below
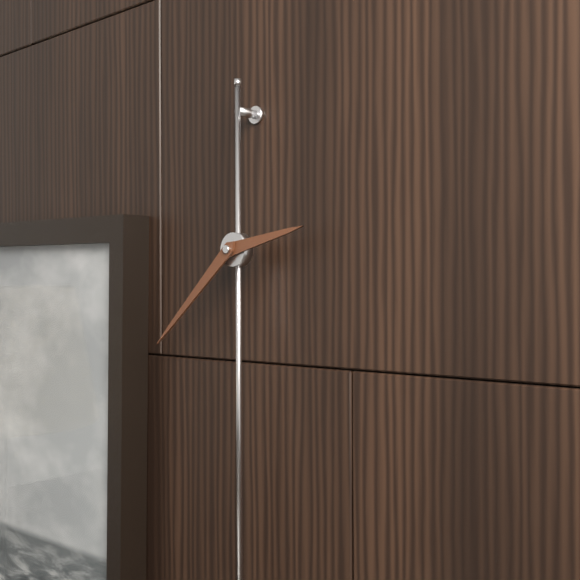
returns 2,38
